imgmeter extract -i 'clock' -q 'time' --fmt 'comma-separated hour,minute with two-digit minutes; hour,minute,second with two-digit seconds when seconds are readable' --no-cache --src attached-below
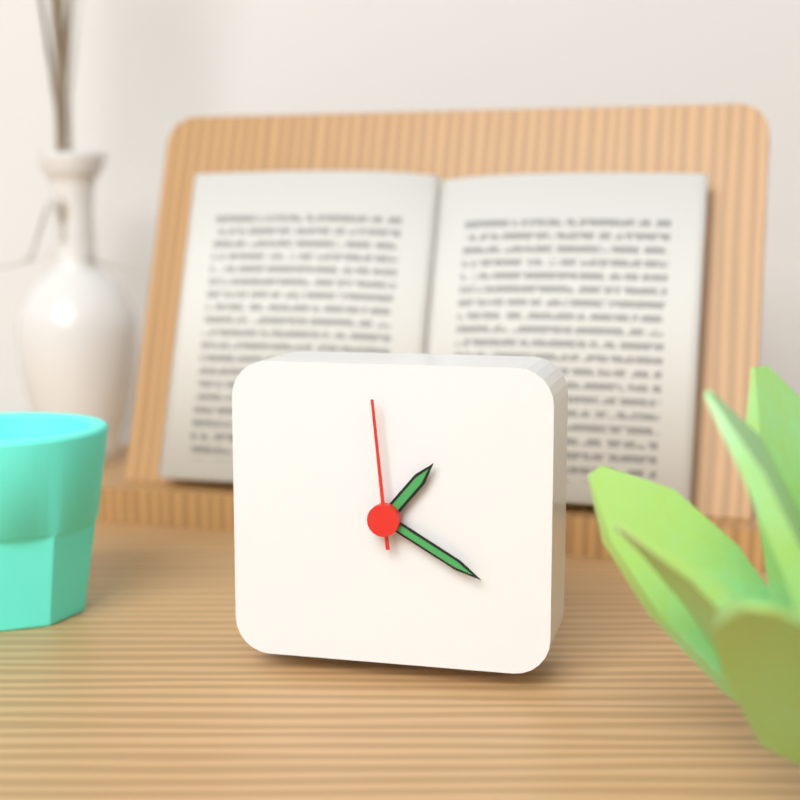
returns 1,20,59
